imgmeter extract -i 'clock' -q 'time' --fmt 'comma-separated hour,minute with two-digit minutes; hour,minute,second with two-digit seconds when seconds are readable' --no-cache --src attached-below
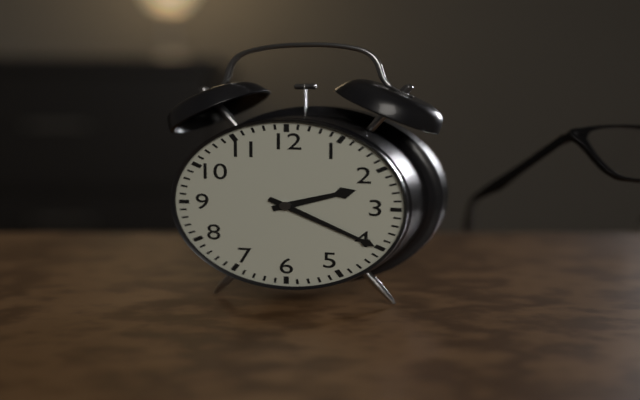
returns 2,20
